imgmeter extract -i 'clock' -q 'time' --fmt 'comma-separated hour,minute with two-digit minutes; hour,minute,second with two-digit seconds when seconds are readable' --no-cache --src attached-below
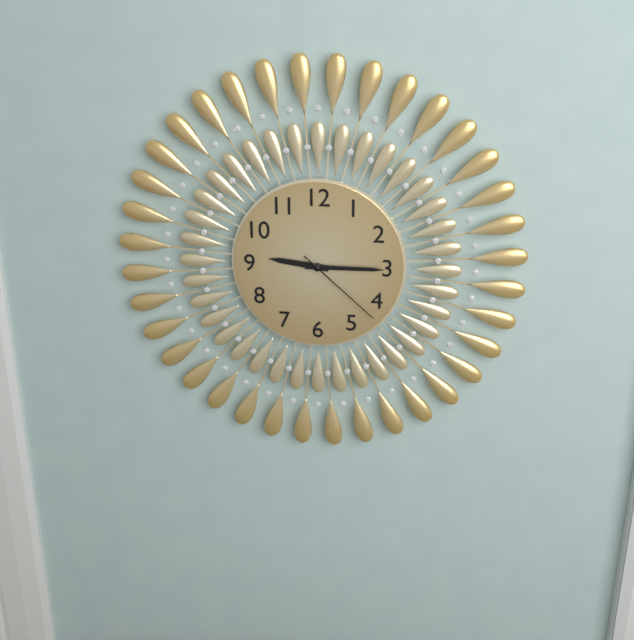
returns 9,15,22
